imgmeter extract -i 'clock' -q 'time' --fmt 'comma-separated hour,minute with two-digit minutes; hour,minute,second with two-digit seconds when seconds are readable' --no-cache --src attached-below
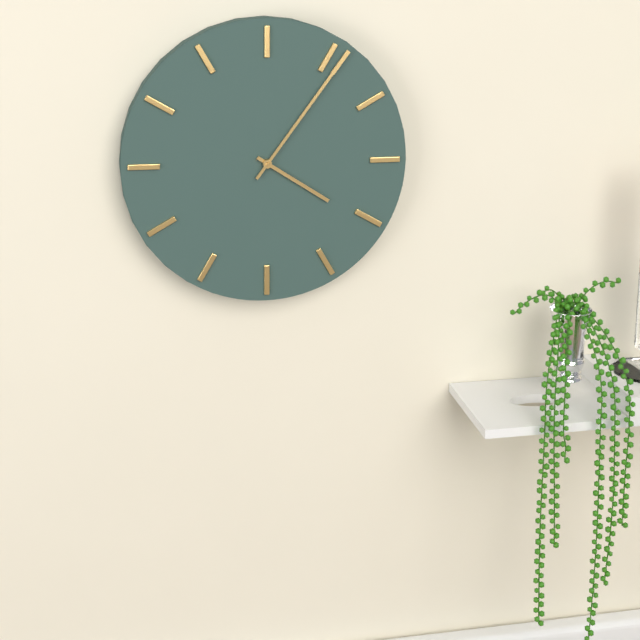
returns 4,06
